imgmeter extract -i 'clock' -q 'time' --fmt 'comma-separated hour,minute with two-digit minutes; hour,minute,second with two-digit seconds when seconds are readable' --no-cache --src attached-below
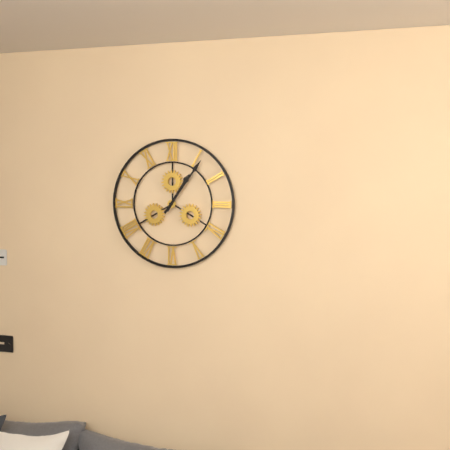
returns 1,06
